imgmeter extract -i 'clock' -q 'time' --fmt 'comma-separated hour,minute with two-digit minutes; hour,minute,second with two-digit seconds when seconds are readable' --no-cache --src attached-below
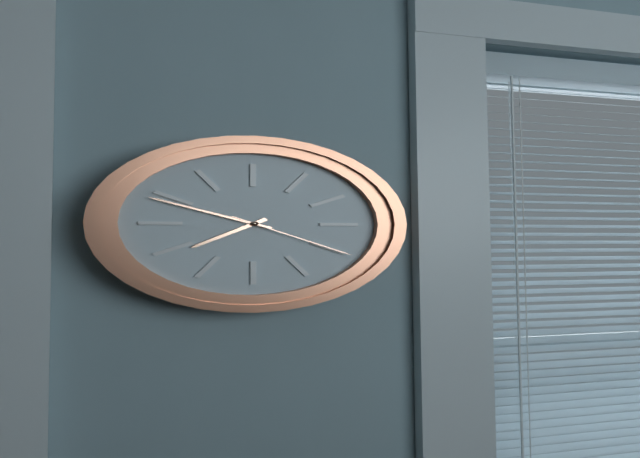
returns 7,49,20
